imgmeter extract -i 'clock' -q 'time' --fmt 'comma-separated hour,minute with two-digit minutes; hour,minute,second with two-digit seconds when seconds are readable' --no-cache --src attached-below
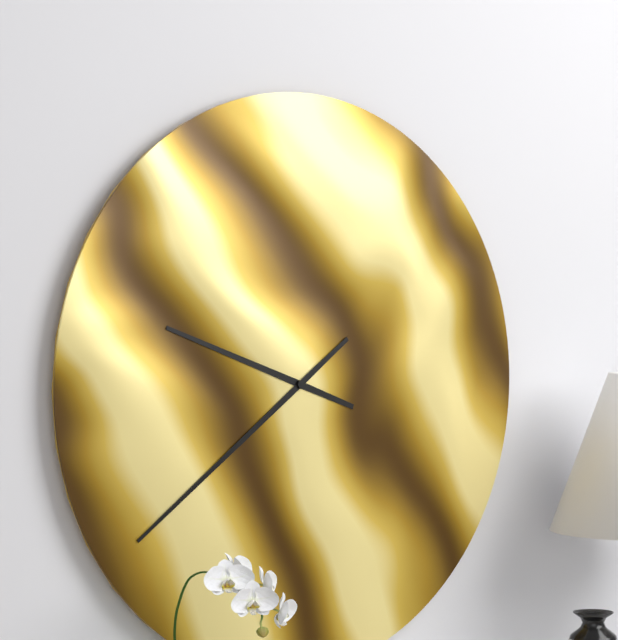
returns 9,39
